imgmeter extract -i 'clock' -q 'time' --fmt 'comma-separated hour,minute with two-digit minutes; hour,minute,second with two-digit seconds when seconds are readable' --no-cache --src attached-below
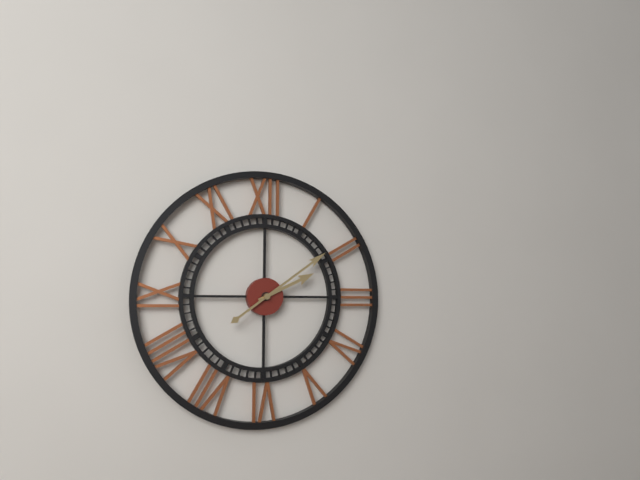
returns 2,09
